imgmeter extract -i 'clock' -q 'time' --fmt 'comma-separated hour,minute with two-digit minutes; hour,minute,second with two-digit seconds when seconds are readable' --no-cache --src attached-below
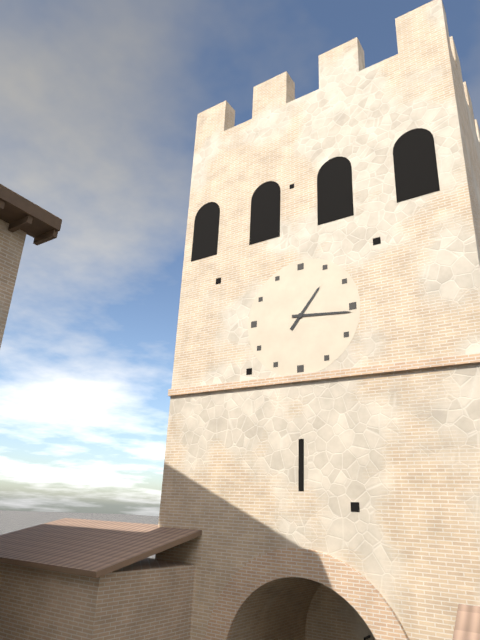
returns 1,16
